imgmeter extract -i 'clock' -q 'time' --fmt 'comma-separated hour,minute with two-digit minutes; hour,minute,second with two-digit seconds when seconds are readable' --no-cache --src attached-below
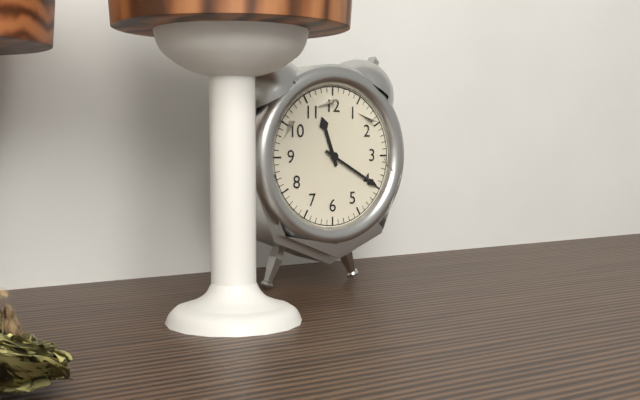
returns 11,20
